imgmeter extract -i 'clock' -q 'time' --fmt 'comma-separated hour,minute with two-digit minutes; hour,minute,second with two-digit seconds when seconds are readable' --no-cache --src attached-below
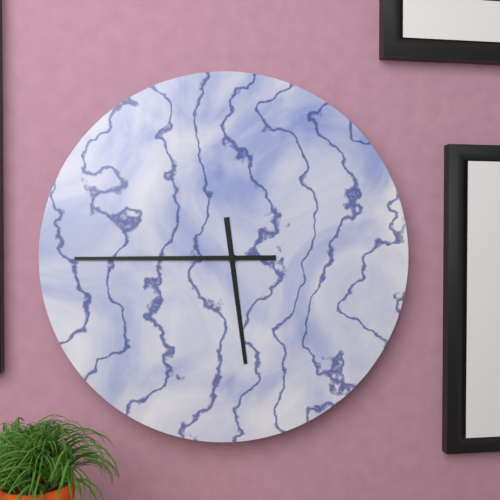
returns 5,45
